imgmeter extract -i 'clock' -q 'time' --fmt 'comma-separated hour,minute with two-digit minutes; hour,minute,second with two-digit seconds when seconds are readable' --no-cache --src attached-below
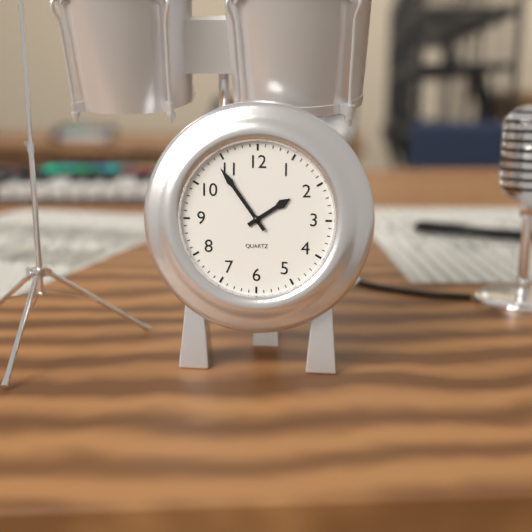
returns 1,54
